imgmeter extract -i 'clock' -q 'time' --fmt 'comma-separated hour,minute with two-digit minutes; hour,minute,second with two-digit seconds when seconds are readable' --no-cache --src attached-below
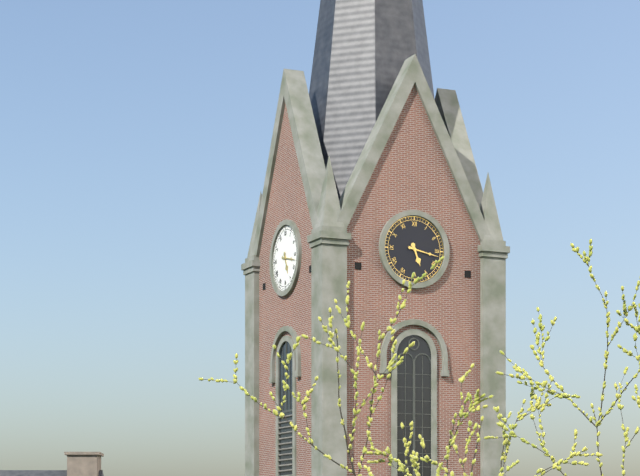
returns 5,17
